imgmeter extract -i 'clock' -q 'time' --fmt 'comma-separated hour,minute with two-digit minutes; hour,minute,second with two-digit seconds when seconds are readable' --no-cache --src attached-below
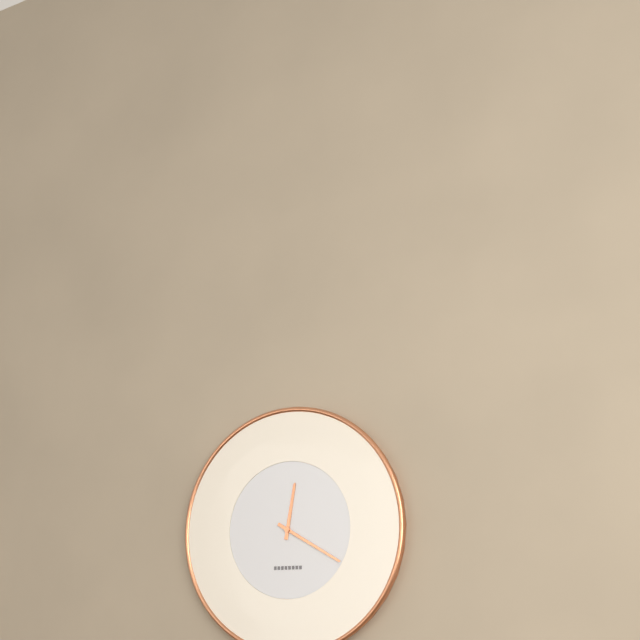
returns 12,20
